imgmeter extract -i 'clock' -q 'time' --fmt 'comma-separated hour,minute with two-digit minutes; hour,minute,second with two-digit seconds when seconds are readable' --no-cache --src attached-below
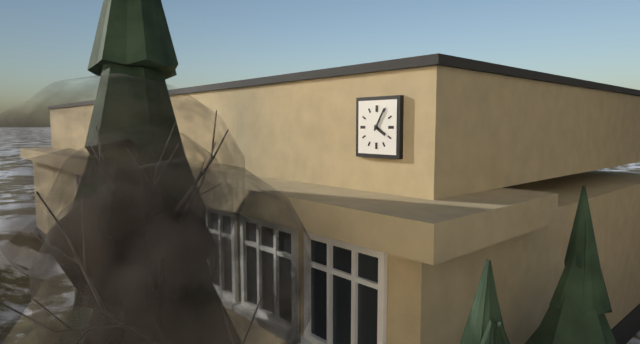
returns 4,05
